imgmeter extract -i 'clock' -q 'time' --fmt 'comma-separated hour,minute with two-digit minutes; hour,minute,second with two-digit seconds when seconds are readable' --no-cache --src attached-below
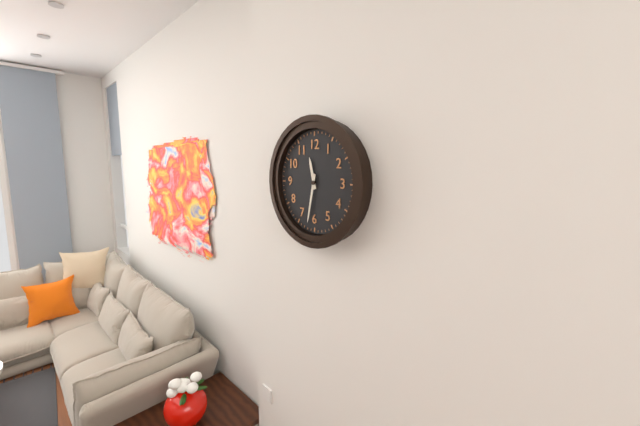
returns 11,32
